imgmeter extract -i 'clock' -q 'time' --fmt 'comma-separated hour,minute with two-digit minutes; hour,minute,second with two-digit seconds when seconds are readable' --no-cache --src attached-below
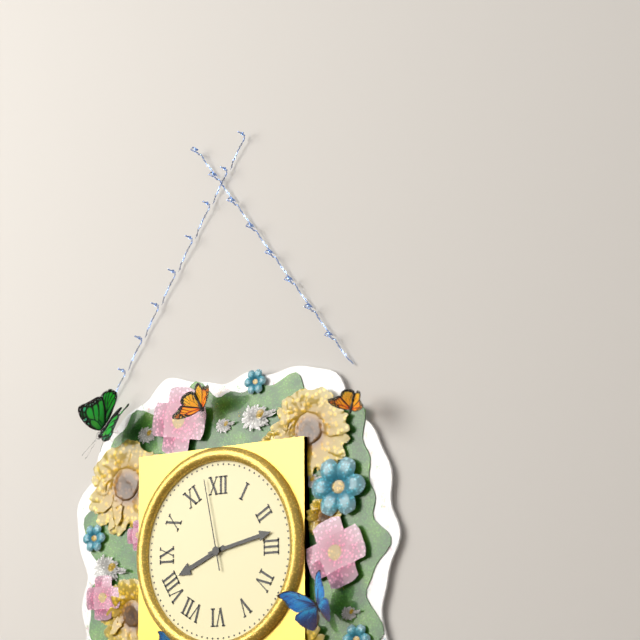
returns 8,13,58
